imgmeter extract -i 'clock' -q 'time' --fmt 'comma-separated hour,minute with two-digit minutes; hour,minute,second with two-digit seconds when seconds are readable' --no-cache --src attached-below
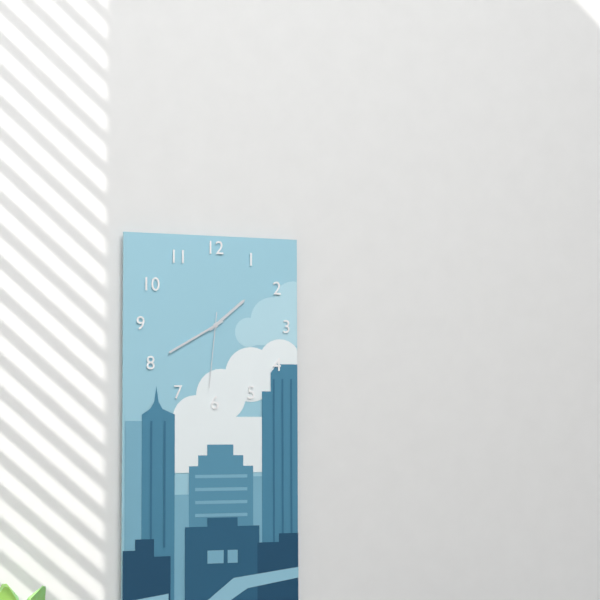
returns 1,40,31
